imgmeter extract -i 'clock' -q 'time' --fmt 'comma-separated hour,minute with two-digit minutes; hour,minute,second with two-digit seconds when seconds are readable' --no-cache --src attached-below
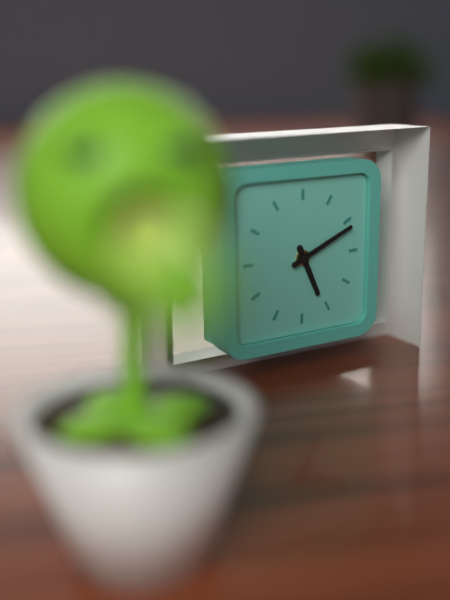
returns 5,11
